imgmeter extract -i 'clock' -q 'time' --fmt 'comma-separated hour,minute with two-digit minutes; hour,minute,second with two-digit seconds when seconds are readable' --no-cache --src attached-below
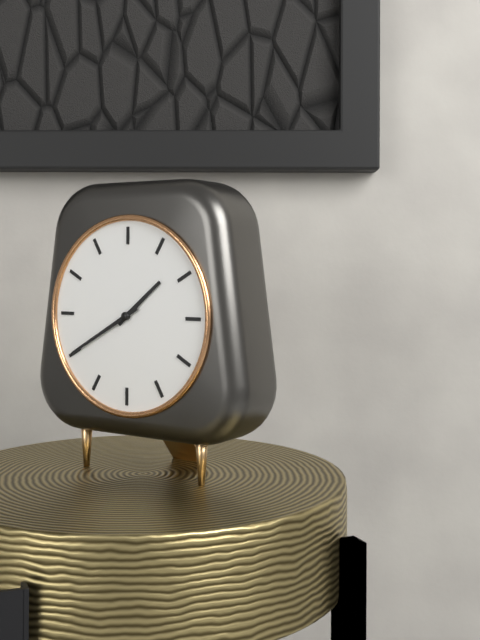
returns 1,40
